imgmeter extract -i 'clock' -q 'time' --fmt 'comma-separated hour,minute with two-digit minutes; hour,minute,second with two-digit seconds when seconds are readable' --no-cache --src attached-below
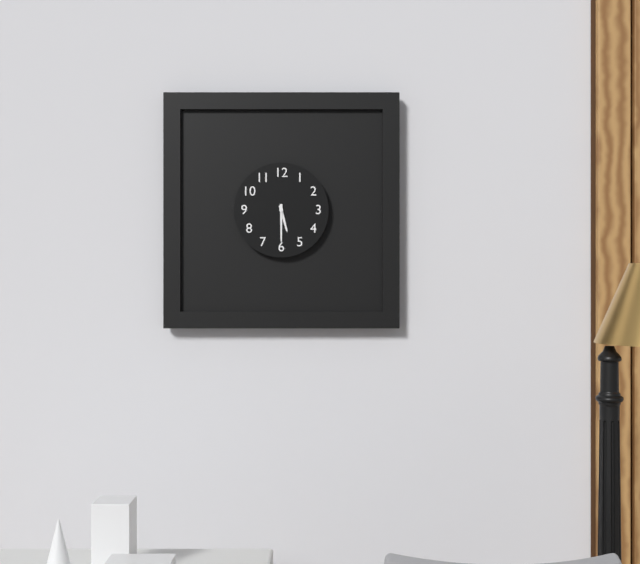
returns 5,30
